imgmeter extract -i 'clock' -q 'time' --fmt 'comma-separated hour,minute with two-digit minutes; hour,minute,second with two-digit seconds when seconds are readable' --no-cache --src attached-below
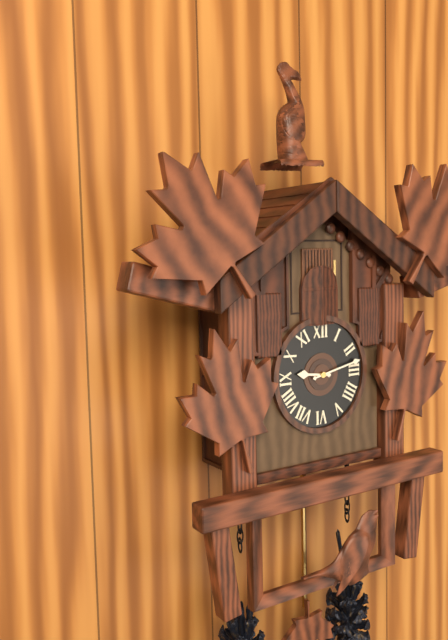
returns 9,13
